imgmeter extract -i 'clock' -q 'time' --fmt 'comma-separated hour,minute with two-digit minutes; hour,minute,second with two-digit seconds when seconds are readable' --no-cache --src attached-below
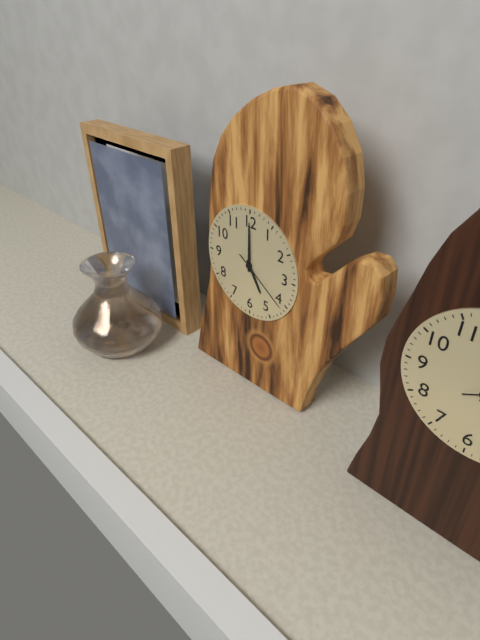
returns 5,00,21
